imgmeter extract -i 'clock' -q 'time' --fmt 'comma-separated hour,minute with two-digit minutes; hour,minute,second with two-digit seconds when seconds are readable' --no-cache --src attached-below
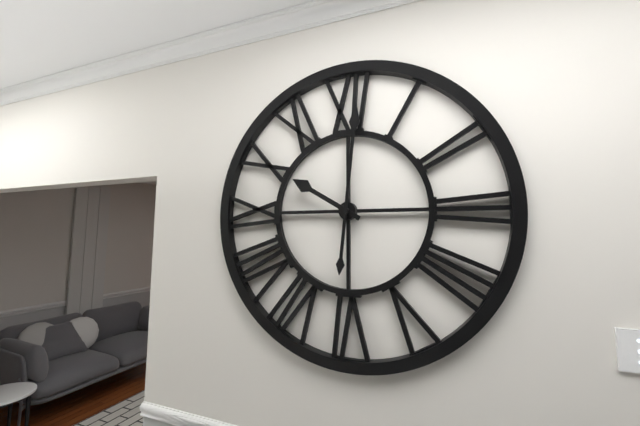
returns 10,01
